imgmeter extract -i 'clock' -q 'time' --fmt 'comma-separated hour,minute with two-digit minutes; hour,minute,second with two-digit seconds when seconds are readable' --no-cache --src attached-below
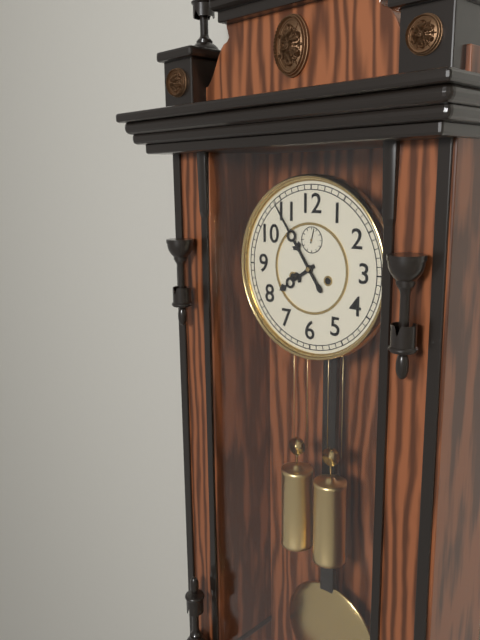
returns 7,54
